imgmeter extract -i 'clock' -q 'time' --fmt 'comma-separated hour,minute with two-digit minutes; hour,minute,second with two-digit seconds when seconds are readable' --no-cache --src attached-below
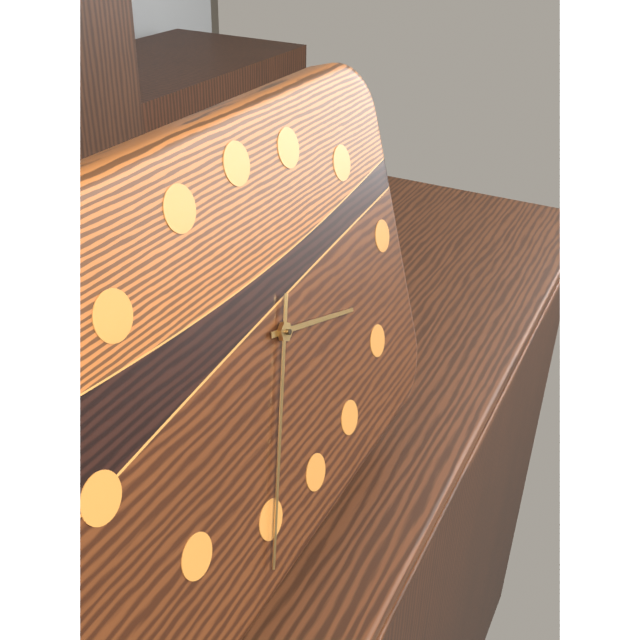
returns 3,35
